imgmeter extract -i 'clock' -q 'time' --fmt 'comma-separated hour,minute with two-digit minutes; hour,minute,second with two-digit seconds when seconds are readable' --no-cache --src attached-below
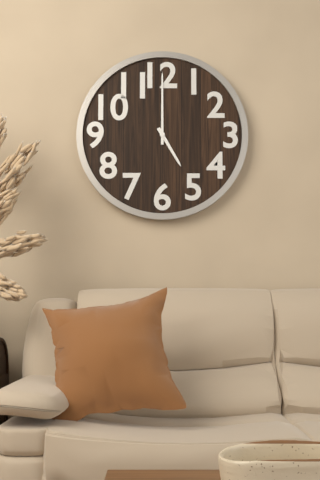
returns 5,00
